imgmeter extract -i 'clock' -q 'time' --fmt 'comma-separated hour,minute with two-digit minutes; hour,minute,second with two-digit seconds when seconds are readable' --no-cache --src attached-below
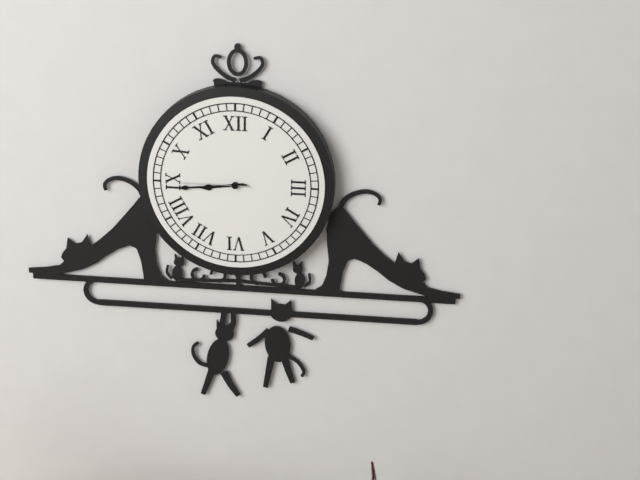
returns 8,44,45
